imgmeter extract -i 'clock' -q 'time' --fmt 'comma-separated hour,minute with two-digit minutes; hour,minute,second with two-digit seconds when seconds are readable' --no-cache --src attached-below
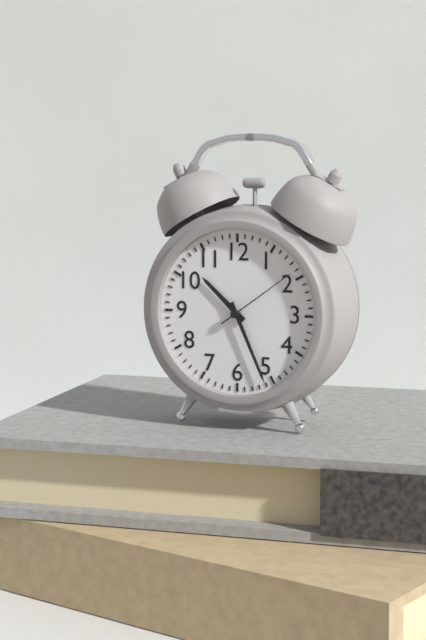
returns 10,26,09
